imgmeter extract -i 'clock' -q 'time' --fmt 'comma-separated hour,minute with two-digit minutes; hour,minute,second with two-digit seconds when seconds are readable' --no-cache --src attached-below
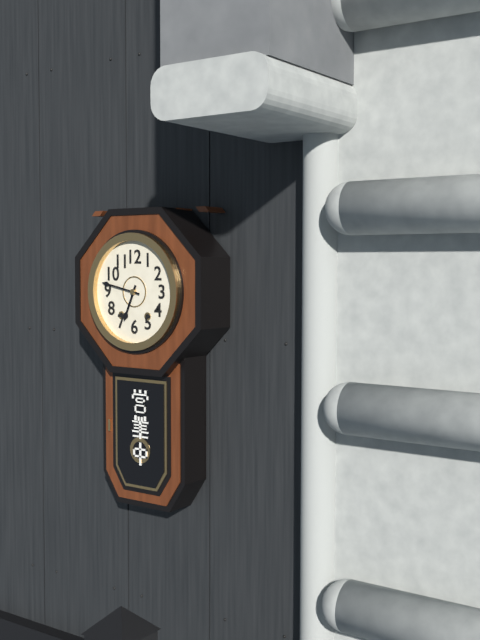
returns 6,47
